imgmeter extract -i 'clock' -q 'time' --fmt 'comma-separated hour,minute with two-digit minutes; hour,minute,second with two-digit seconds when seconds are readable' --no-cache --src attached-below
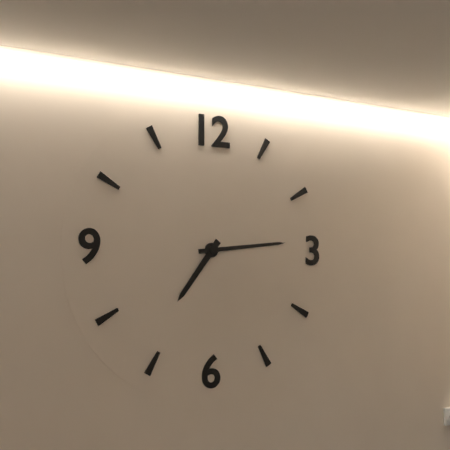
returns 7,14
